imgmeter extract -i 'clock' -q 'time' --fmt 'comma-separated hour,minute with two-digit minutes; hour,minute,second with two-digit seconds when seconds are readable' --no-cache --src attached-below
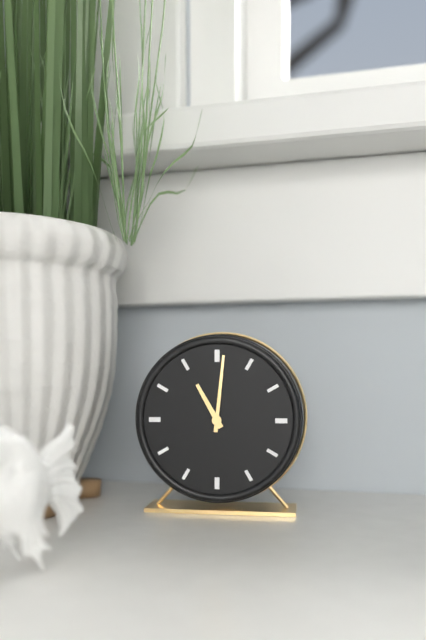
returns 11,01
